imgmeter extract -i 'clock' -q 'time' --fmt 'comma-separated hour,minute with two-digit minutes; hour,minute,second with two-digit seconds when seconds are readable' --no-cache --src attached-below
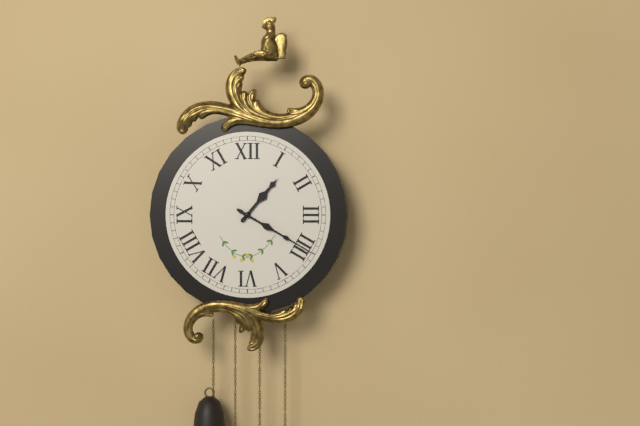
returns 1,20
